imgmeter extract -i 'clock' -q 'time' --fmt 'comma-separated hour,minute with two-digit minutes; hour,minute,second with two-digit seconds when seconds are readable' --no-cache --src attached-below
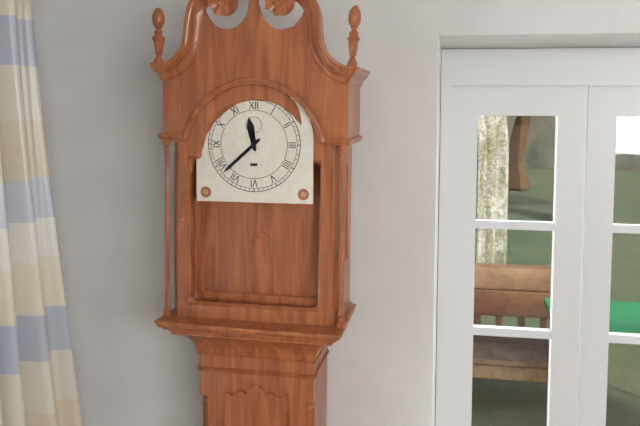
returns 11,38
